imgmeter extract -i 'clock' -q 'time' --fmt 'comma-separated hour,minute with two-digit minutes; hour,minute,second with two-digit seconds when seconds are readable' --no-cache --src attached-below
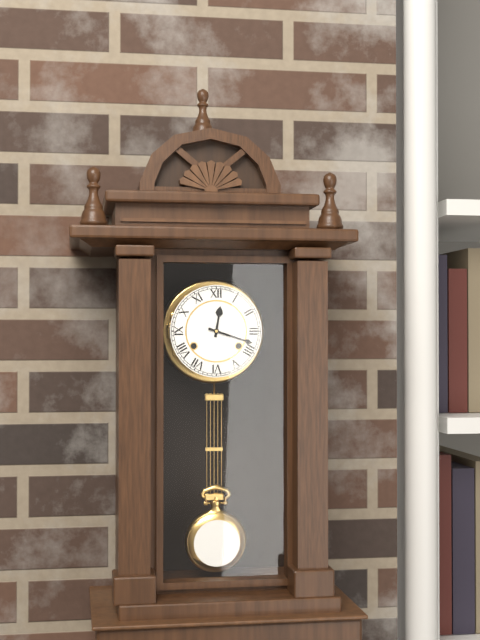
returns 12,18
